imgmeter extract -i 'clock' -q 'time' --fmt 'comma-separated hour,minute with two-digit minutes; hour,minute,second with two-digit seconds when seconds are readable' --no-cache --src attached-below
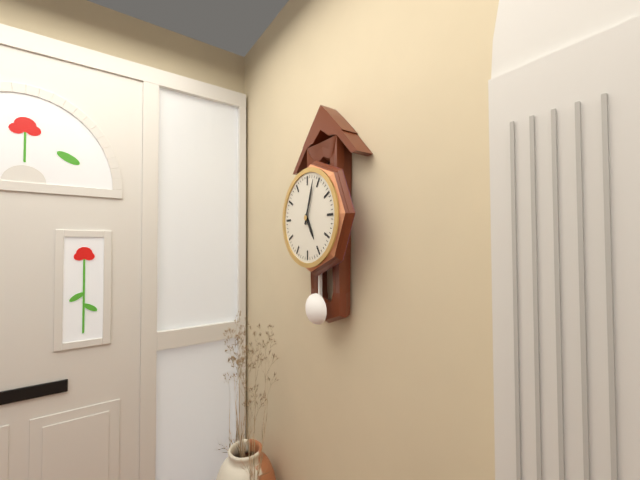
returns 5,03
